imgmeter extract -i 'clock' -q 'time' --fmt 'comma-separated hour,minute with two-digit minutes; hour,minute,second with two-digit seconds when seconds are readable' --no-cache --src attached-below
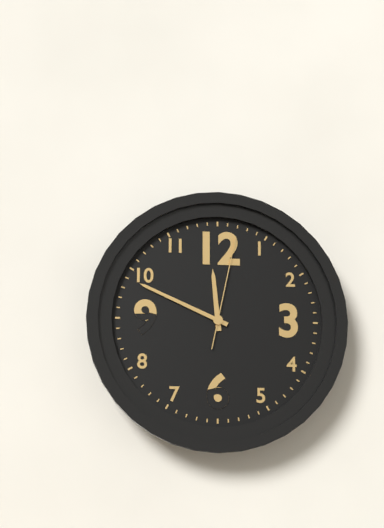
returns 11,49,02
